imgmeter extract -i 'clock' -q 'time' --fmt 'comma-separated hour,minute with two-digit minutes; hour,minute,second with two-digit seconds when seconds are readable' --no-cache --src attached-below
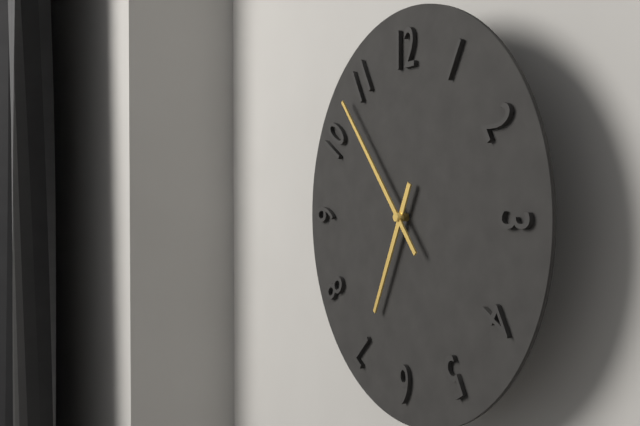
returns 6,53
